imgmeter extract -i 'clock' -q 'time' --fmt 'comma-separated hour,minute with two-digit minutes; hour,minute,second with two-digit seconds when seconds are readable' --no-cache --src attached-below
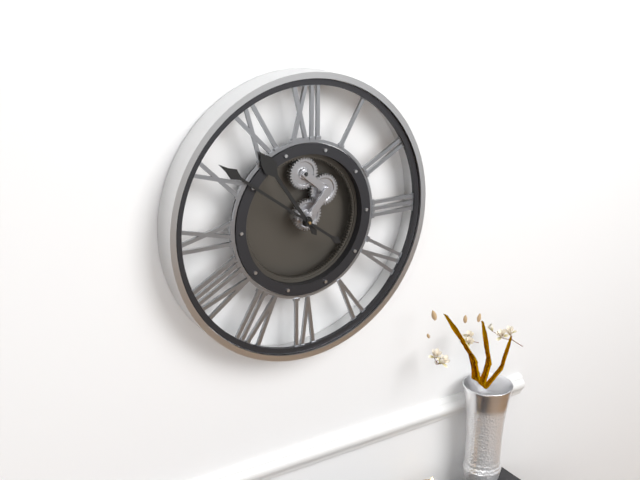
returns 10,51
